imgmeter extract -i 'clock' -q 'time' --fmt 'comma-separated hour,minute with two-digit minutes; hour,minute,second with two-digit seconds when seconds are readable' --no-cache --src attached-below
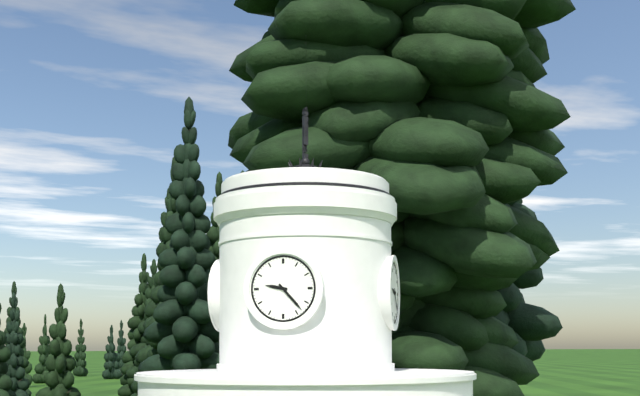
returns 9,23
